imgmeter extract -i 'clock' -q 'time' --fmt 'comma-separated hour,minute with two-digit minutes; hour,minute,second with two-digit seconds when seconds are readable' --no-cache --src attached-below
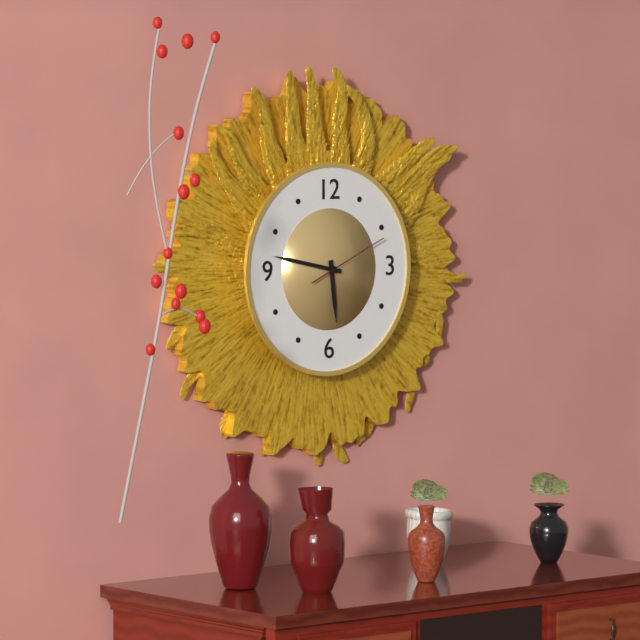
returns 5,47,11
